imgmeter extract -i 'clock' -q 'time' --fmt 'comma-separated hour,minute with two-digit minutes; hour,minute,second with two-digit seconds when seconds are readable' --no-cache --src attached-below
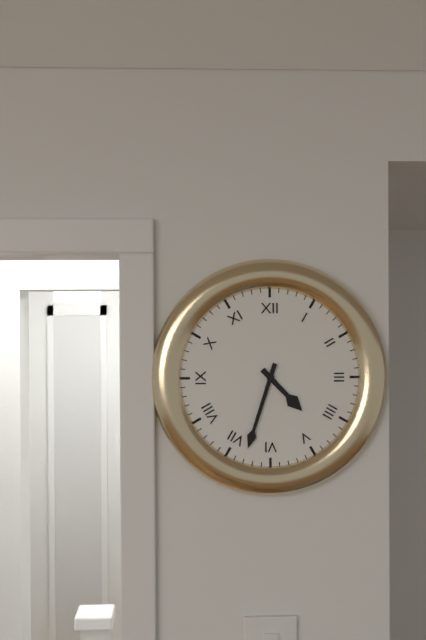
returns 4,33
